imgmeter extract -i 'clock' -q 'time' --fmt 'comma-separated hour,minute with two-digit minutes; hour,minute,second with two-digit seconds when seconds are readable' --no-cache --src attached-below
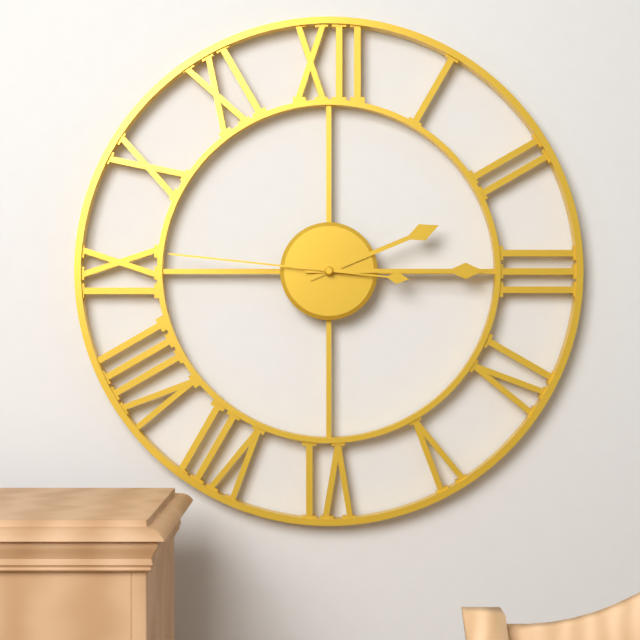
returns 2,15,46
